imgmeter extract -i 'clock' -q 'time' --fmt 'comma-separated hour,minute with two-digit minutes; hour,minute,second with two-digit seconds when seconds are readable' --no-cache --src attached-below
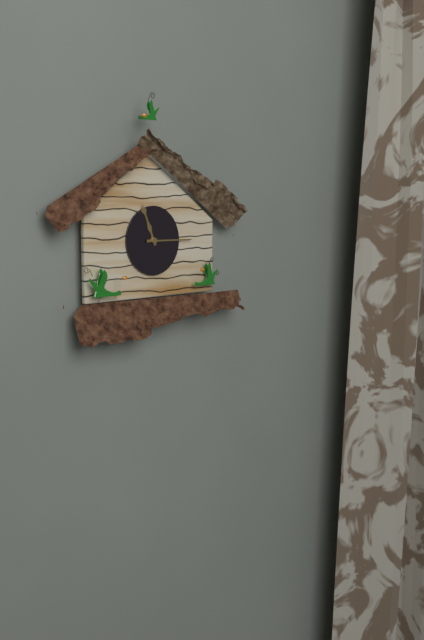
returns 11,15
